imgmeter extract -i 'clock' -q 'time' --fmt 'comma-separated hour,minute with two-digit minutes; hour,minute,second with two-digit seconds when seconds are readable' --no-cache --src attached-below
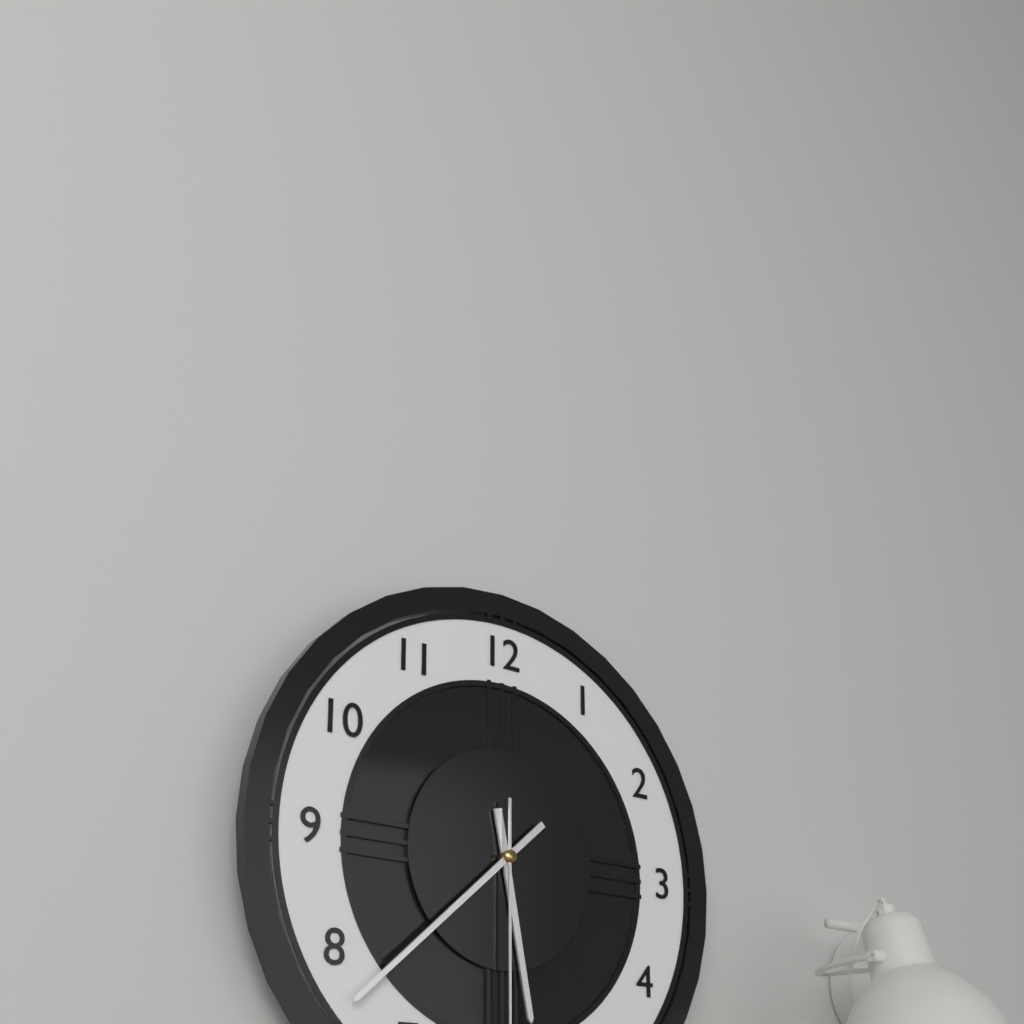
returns 5,38
